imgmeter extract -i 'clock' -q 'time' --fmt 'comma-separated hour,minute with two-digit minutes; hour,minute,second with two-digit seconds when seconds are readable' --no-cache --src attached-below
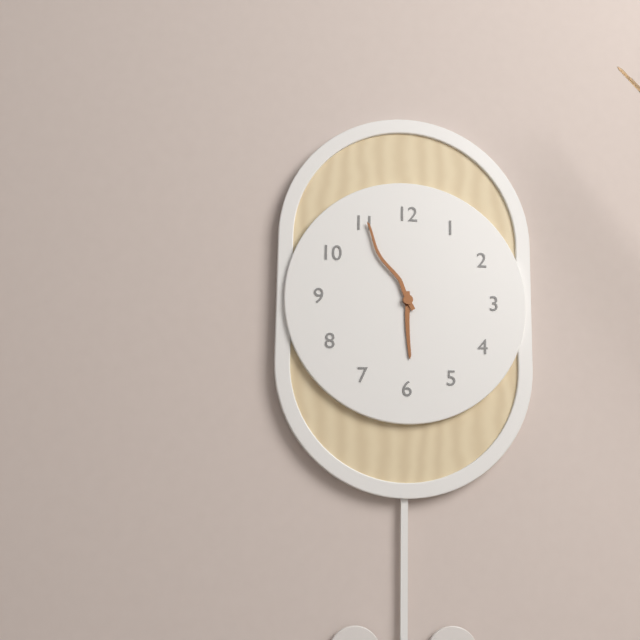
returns 5,55
